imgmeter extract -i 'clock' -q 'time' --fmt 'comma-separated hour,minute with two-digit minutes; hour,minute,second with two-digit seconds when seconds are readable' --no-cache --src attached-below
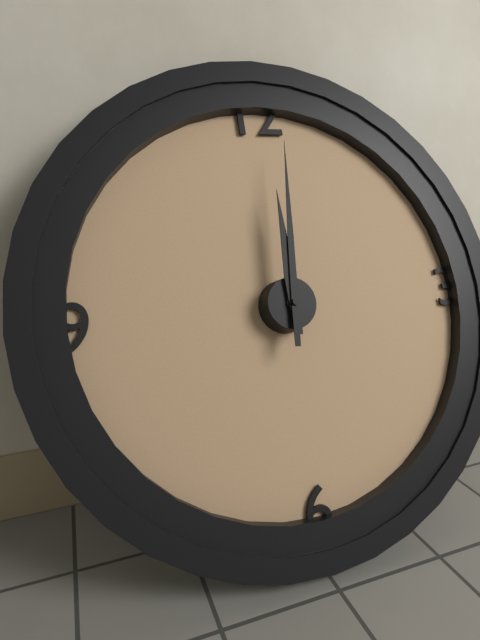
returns 12,01
